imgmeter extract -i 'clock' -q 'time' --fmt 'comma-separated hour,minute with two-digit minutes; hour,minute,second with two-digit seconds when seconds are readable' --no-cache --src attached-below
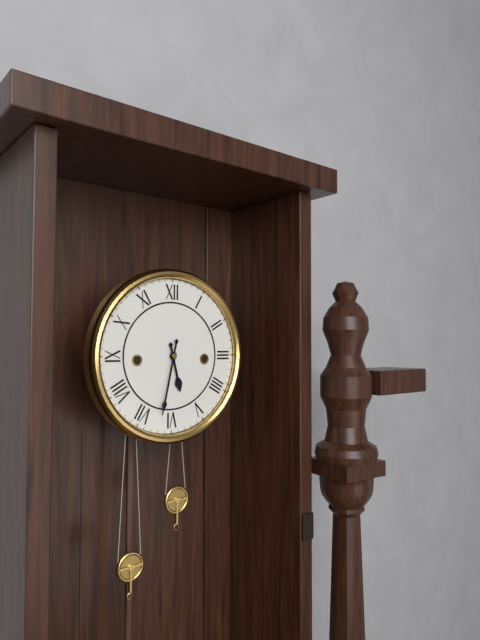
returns 5,32
